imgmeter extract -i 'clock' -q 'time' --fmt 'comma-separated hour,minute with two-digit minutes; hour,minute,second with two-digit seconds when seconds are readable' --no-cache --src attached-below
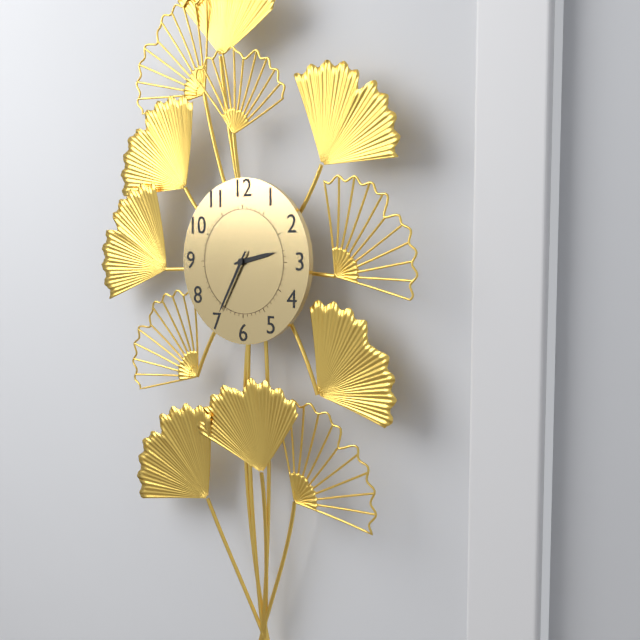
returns 2,35
